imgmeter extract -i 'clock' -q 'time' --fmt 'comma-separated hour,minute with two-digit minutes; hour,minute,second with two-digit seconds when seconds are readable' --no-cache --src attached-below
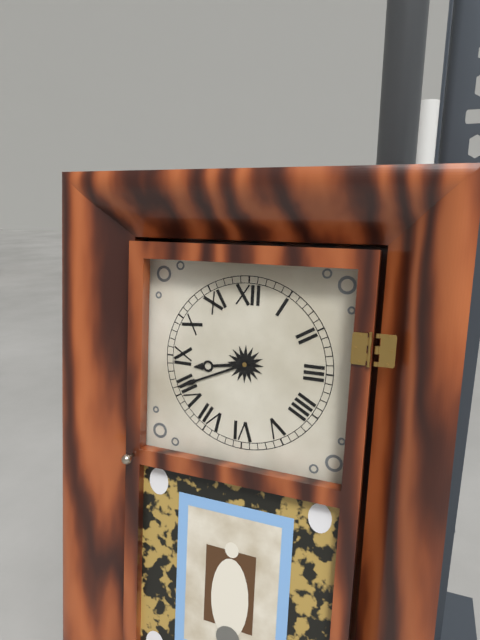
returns 8,41
